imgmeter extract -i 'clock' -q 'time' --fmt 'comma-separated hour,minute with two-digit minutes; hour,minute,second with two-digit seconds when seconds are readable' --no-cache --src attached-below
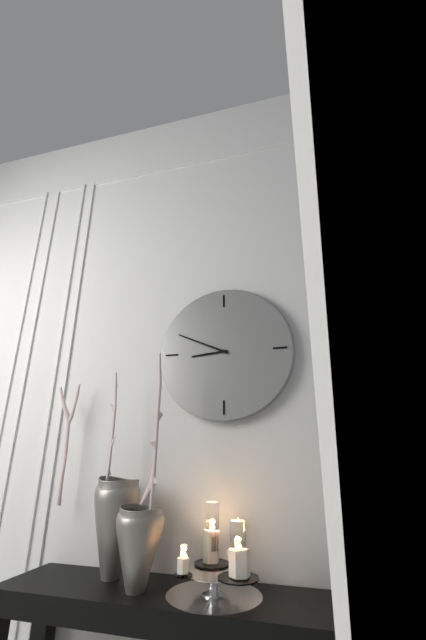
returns 8,49
